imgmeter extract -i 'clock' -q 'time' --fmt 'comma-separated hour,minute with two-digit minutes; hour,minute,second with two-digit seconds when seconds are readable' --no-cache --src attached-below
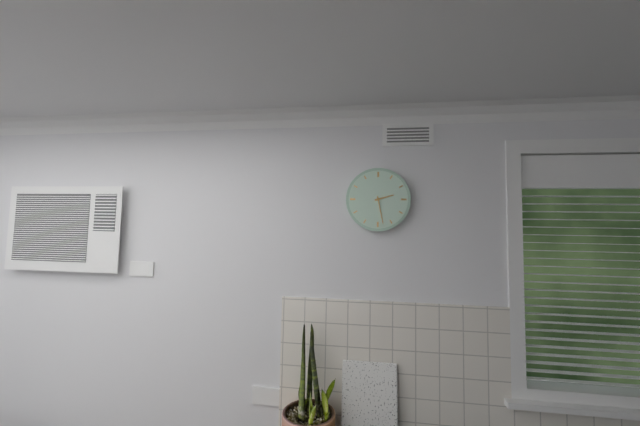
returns 2,28
